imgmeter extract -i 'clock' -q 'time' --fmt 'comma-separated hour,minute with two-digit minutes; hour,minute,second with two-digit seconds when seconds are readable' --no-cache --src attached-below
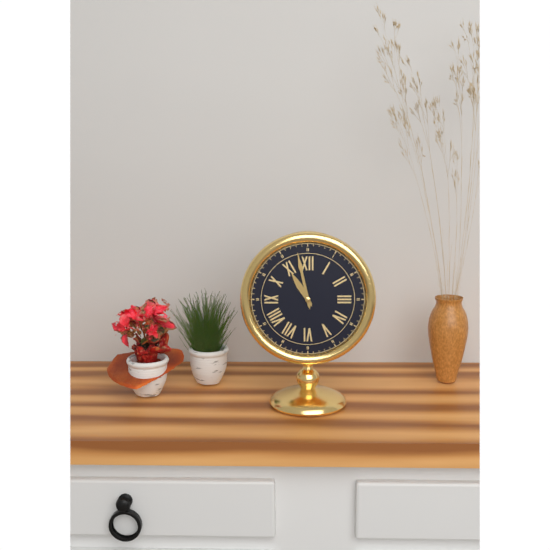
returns 10,58
